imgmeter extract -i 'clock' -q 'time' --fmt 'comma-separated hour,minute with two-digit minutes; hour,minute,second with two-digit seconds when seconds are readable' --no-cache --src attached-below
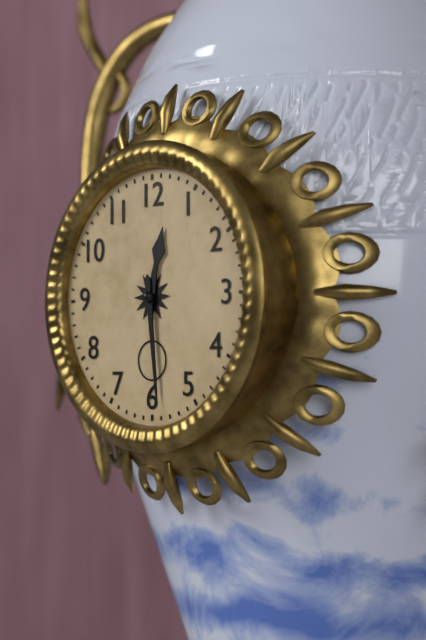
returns 12,29
